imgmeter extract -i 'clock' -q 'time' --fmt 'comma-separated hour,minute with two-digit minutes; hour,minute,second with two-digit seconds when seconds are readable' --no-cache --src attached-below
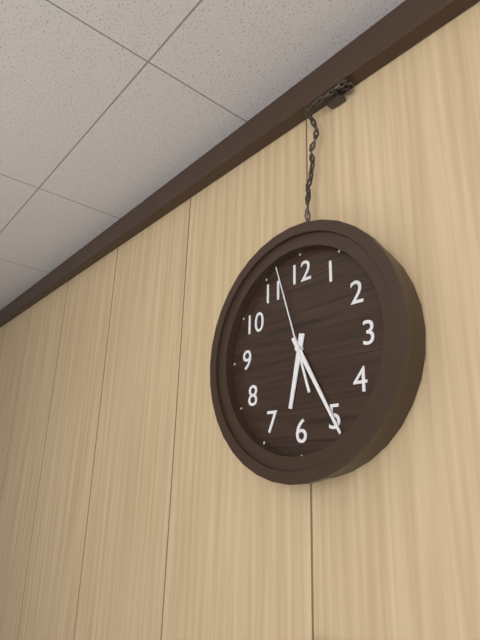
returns 6,25,57
